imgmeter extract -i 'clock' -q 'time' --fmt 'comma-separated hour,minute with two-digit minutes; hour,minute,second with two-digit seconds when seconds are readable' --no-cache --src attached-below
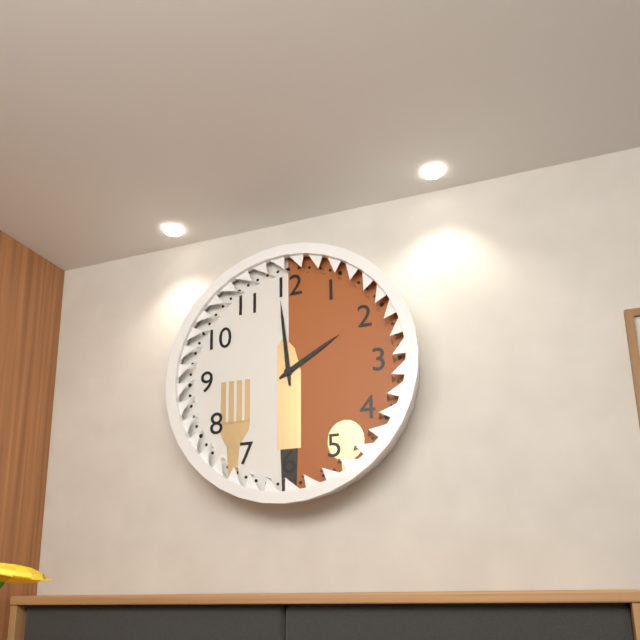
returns 1,59
